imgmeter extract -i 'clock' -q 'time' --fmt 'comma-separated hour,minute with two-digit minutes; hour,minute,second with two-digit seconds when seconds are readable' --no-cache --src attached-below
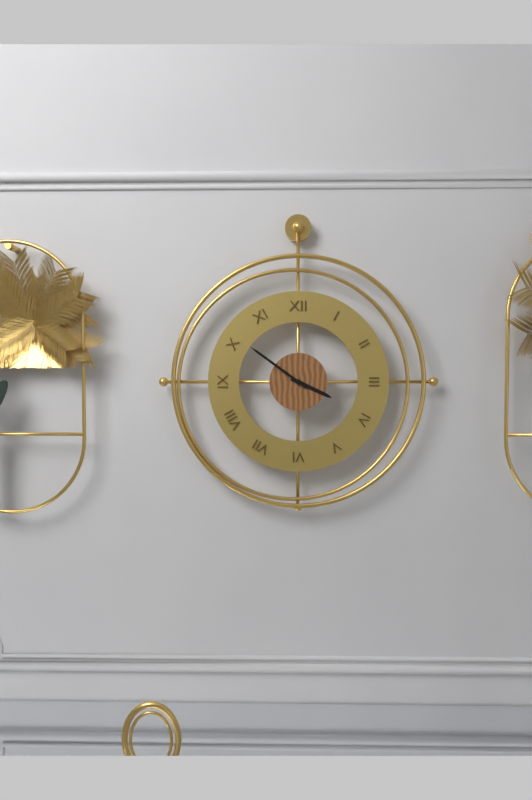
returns 3,51
